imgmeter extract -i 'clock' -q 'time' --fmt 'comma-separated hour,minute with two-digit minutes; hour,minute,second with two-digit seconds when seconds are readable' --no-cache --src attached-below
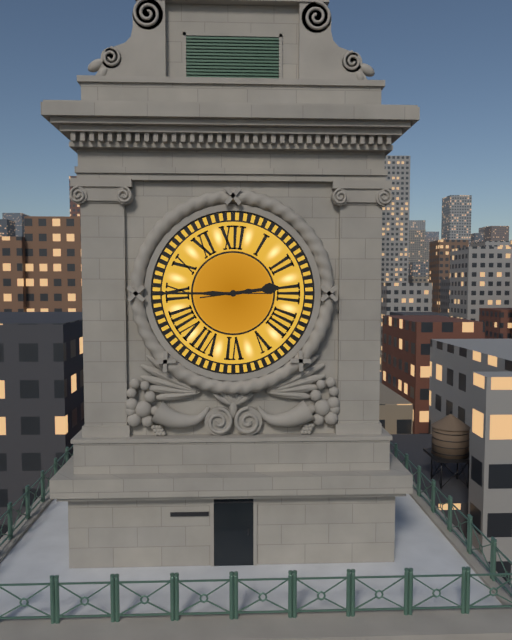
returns 2,45
